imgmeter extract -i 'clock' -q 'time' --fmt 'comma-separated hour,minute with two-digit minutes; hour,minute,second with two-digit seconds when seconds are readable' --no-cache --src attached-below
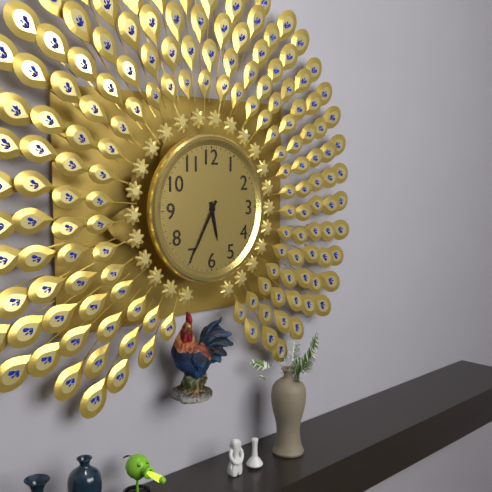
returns 5,35
